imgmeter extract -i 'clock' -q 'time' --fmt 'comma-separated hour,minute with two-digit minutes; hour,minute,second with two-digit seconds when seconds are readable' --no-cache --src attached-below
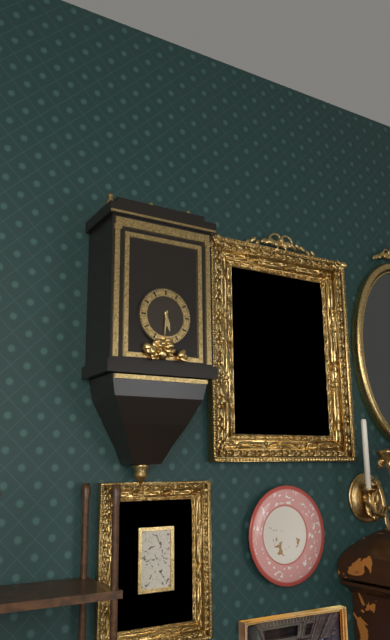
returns 5,31
